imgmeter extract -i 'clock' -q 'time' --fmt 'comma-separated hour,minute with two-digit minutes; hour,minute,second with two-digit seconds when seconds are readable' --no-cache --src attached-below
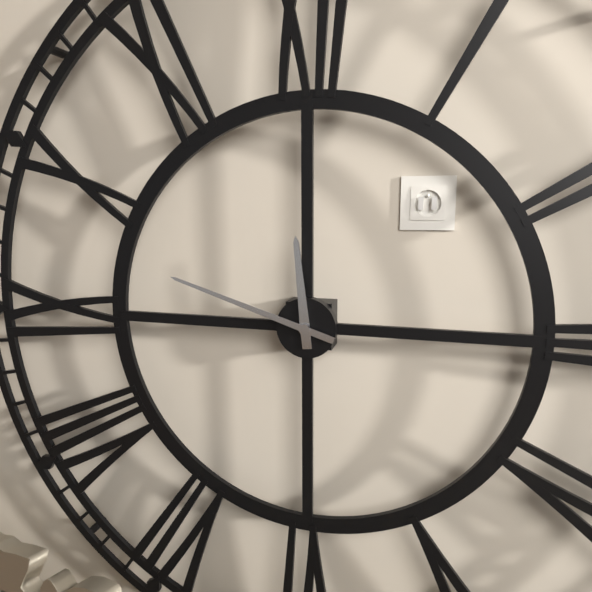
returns 11,48
